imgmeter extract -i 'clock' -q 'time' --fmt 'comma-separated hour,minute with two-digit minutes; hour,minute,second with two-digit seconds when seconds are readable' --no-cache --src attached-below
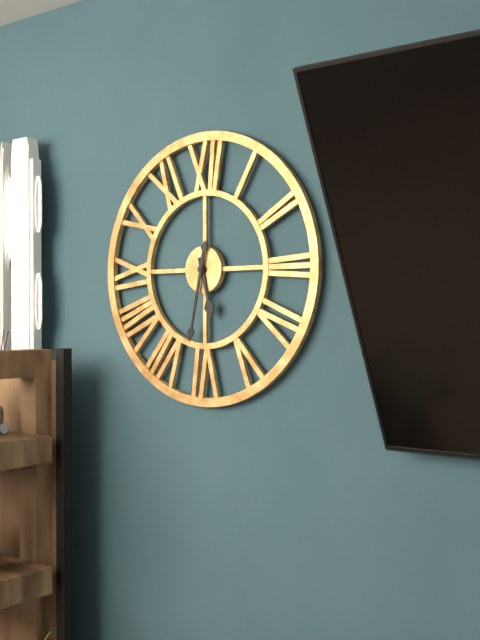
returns 5,32
